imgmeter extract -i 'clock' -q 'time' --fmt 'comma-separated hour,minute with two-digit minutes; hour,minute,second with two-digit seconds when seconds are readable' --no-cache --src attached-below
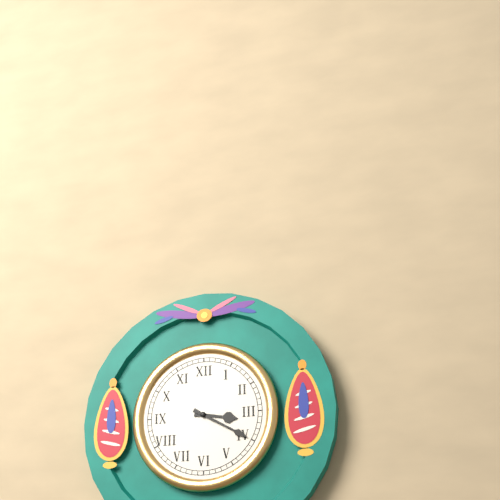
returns 3,20
